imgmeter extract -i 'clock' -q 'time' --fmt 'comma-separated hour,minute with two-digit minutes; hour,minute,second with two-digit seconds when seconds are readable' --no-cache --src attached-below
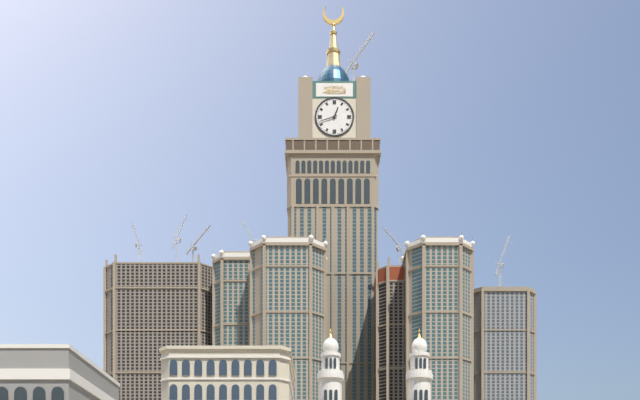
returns 12,42
